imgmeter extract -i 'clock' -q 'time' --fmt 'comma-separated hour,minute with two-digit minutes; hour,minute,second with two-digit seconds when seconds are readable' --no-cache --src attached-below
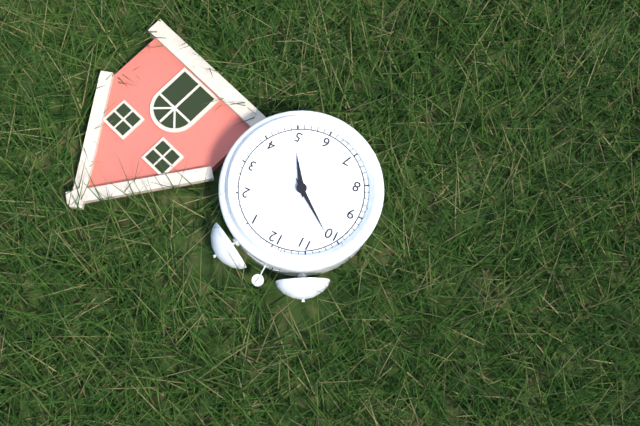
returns 4,51
